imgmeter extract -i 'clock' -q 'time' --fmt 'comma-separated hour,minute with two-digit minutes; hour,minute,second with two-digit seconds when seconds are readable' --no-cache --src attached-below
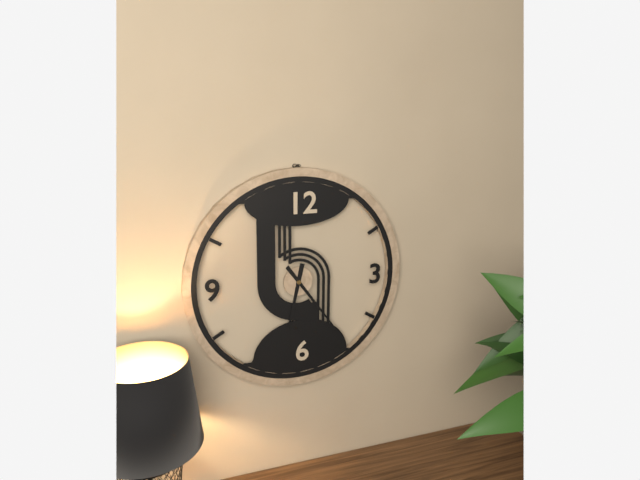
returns 6,24
